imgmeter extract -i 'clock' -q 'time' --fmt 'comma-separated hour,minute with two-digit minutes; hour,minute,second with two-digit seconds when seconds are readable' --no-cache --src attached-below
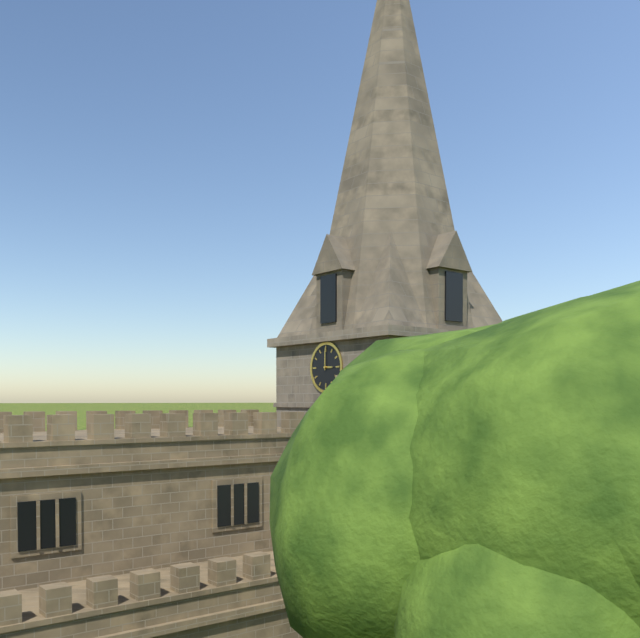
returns 3,00
